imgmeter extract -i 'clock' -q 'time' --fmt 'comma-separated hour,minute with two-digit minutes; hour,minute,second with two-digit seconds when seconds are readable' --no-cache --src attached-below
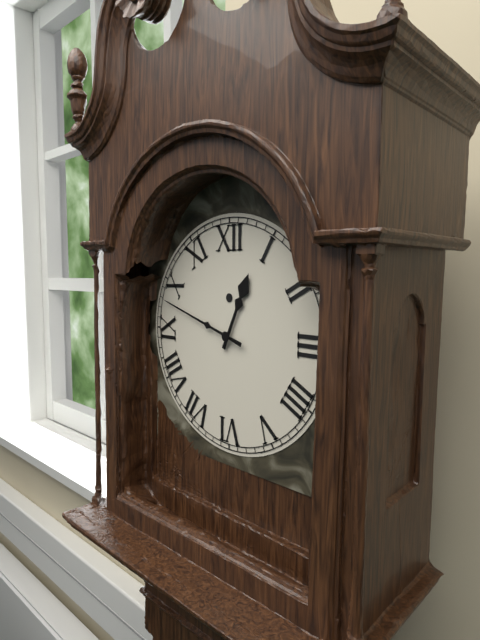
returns 12,48
